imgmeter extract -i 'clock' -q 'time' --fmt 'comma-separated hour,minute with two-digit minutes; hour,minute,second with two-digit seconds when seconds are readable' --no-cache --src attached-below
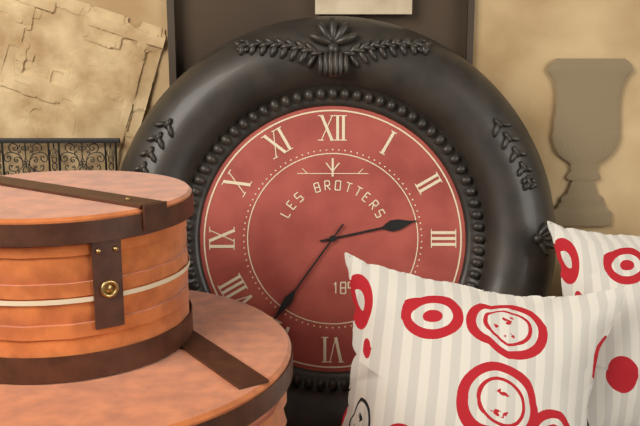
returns 2,36
